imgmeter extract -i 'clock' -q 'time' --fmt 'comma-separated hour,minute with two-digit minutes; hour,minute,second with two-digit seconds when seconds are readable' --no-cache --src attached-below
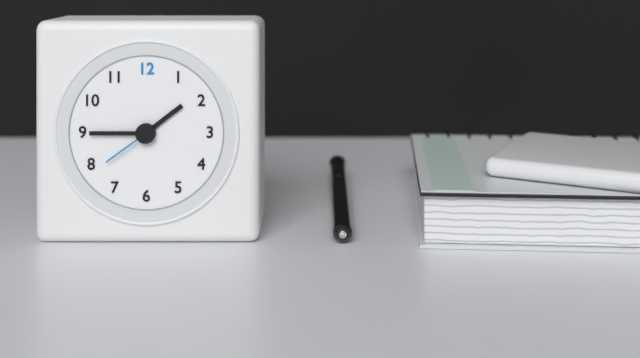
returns 1,45,39
